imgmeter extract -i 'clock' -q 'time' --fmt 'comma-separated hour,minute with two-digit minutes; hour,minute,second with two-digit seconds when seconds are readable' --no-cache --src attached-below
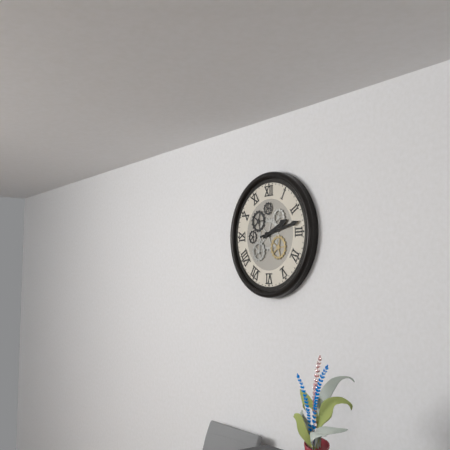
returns 2,13
